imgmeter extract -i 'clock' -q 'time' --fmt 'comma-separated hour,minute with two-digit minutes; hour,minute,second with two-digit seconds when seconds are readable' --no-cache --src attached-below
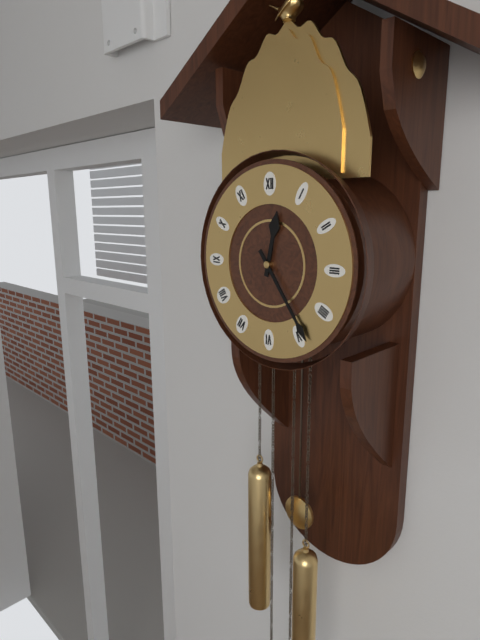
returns 12,24
